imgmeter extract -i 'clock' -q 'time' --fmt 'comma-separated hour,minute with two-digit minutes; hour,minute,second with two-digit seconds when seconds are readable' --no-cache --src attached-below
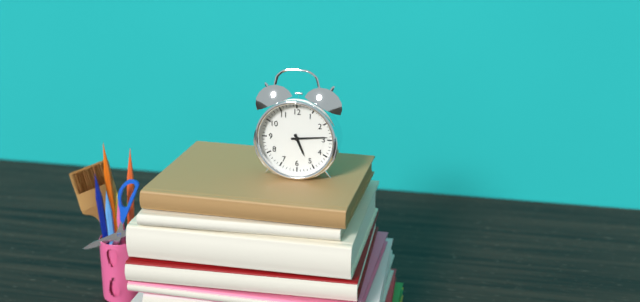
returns 5,14
